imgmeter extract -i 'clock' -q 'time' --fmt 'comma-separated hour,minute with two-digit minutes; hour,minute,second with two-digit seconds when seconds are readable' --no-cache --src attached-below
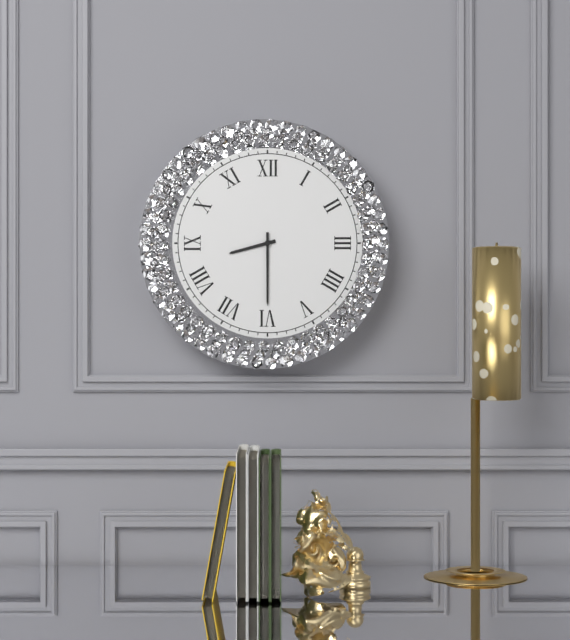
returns 8,30
